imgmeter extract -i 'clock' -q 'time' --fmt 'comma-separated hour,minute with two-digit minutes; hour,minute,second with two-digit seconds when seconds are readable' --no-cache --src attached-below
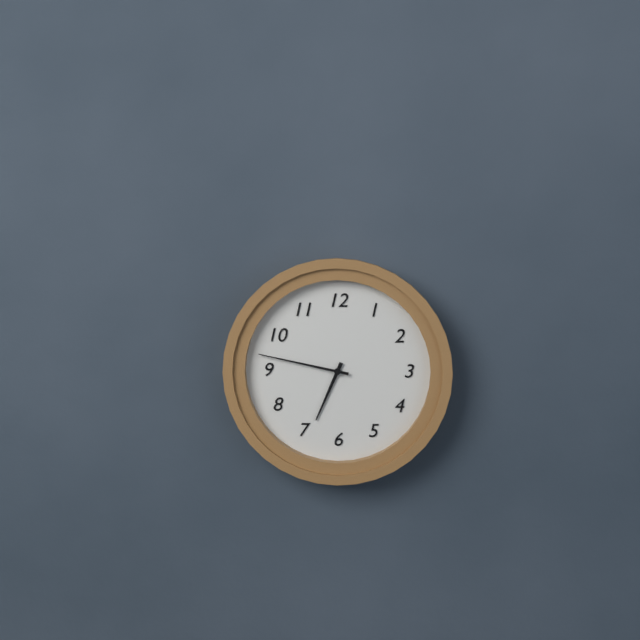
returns 6,47
